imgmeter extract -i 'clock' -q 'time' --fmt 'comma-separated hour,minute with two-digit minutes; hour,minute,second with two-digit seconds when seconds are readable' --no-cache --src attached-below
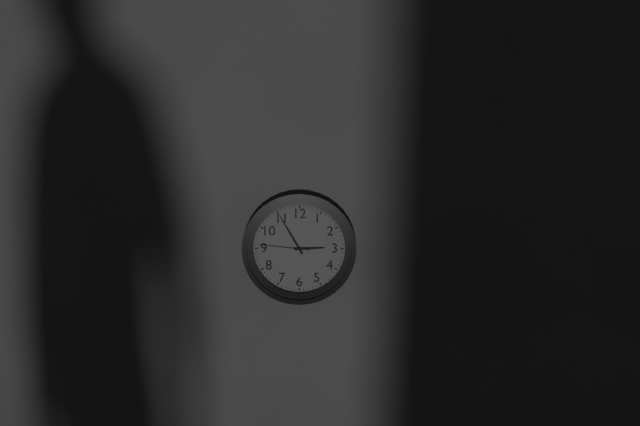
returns 2,55,46
